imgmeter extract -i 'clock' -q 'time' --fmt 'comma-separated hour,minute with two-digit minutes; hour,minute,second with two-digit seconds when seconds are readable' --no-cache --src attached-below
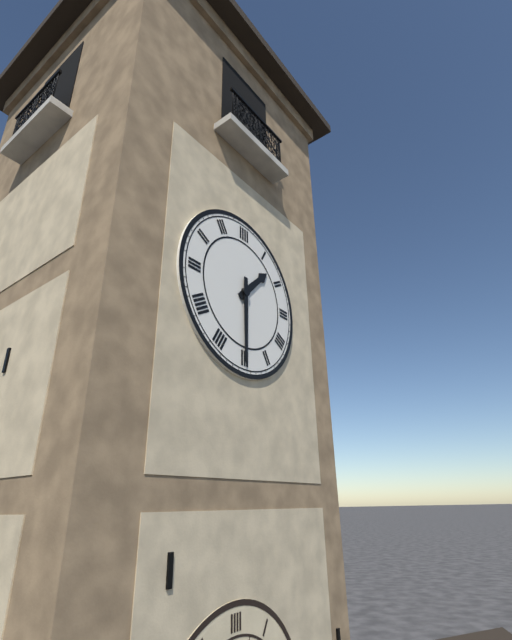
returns 1,30
